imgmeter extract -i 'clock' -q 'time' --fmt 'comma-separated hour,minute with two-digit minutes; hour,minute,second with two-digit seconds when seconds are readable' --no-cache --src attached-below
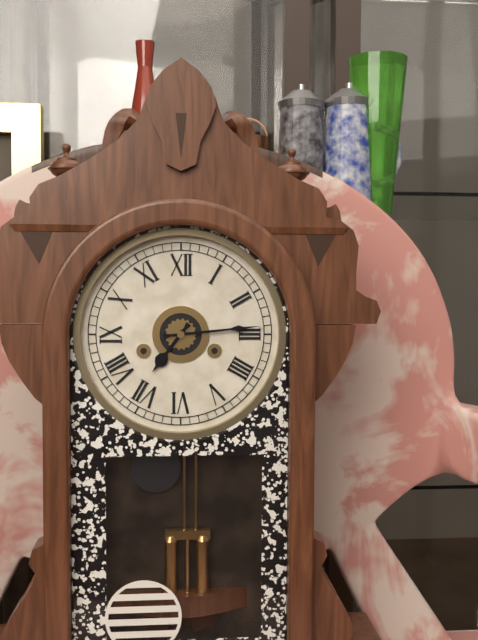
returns 7,14
